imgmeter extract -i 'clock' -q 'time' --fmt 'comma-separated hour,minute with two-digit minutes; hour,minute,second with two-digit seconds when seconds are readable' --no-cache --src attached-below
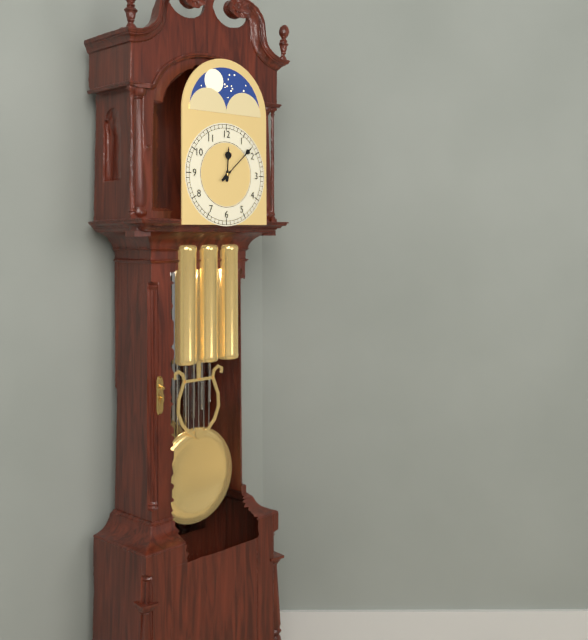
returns 12,08
